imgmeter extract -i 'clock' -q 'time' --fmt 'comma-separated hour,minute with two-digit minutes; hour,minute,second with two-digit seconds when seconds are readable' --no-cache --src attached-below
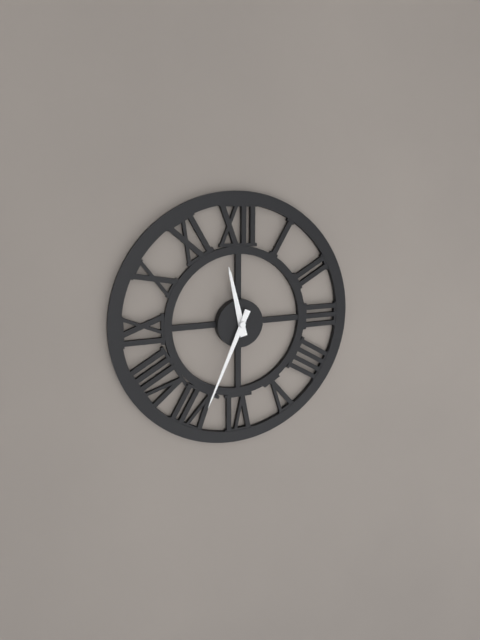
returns 11,34
